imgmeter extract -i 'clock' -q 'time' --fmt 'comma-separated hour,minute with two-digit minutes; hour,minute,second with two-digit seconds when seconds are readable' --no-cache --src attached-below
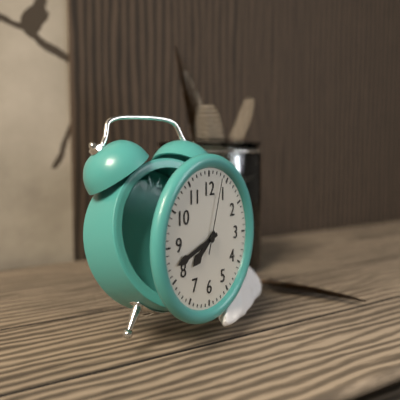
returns 7,42,03
